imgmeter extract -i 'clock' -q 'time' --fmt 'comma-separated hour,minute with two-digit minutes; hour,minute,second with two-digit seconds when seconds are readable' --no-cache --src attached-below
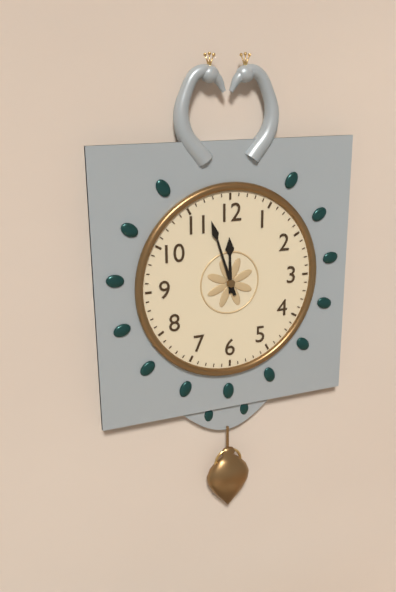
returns 11,57
